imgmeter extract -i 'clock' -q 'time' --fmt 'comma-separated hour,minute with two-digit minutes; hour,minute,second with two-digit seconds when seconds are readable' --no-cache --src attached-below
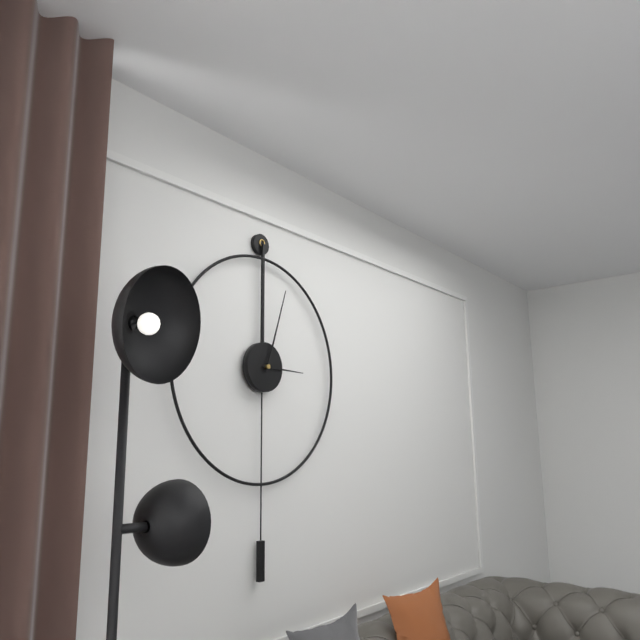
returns 3,03
